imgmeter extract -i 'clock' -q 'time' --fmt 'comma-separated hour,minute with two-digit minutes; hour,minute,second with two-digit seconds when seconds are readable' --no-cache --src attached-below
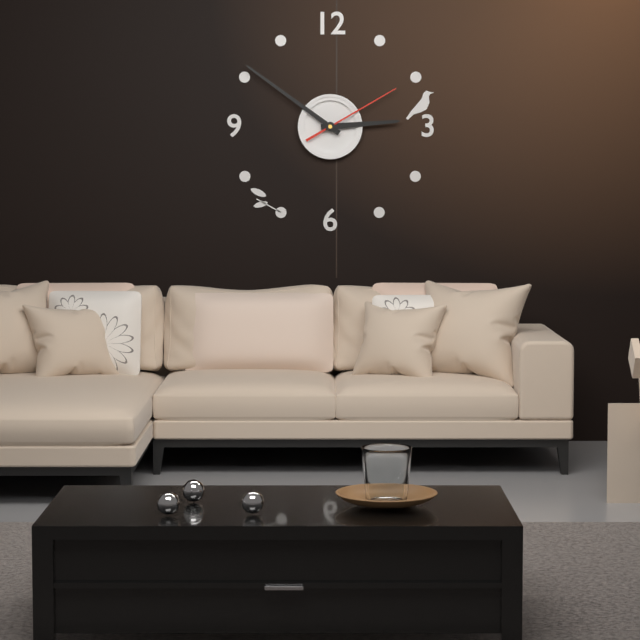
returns 2,51,10
